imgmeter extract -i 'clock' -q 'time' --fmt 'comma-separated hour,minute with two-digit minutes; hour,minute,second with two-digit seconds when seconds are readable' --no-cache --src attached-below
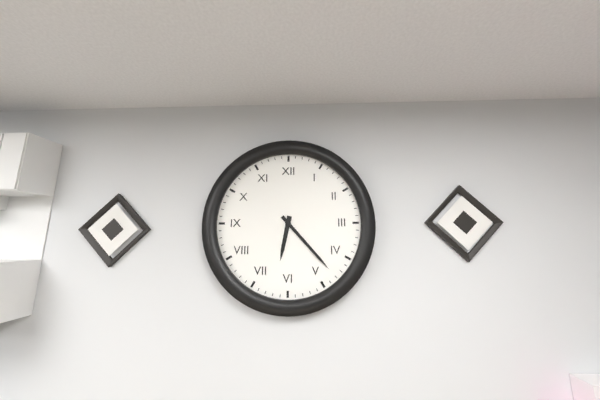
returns 6,23
